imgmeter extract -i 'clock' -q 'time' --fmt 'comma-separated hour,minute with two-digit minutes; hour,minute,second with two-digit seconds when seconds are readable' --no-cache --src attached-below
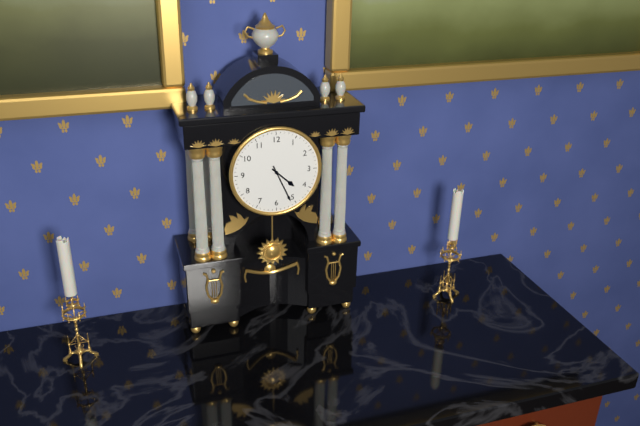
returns 4,26
